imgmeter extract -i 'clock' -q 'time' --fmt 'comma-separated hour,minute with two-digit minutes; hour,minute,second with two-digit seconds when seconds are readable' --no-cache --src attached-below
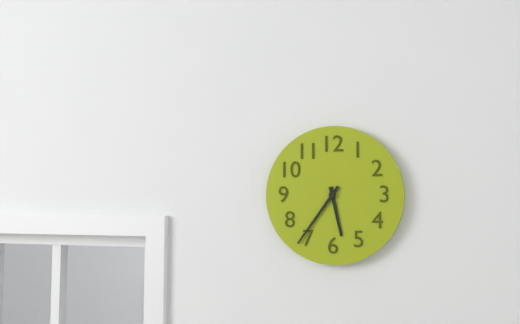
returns 5,36
